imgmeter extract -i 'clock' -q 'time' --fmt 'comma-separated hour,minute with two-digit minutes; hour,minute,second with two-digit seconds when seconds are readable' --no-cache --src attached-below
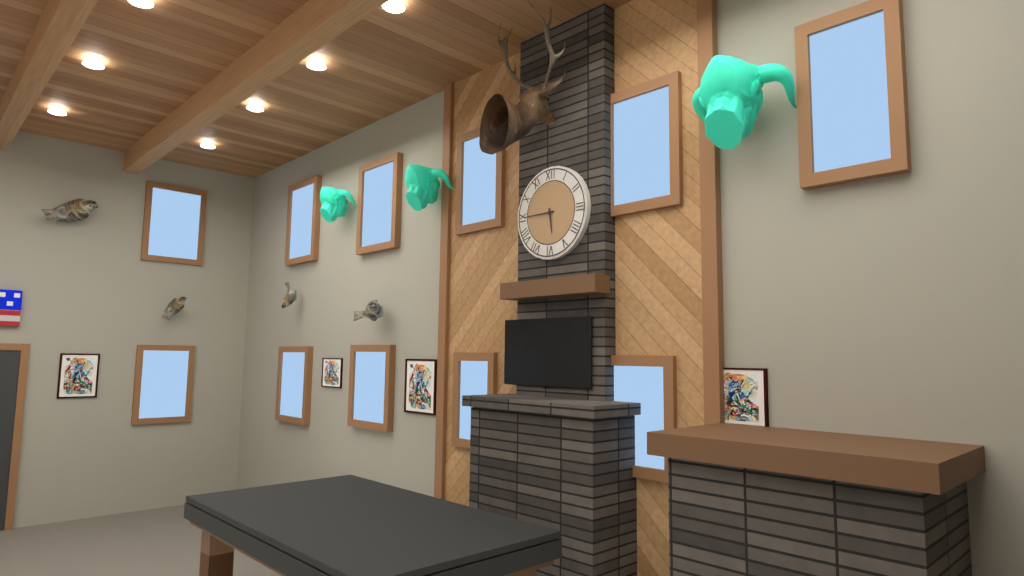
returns 5,45
